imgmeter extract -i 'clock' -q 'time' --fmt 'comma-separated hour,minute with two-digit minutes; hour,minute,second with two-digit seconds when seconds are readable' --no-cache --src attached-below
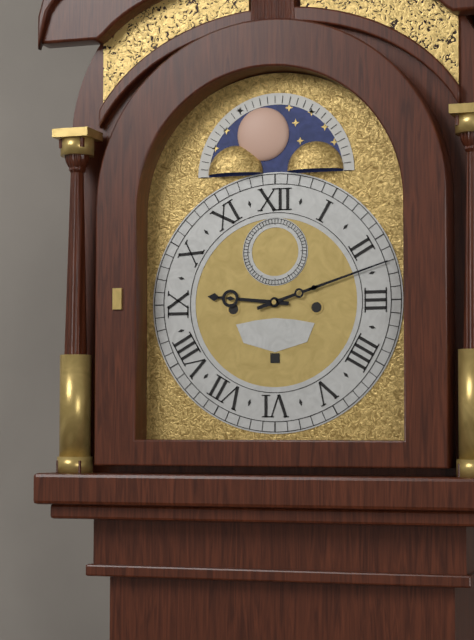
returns 9,12
